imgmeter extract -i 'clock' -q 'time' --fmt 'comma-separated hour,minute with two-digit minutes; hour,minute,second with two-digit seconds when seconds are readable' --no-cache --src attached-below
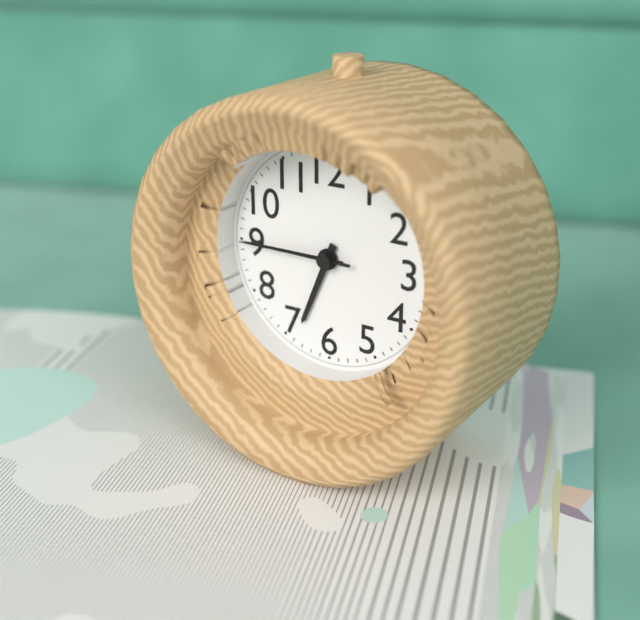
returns 6,45,45
